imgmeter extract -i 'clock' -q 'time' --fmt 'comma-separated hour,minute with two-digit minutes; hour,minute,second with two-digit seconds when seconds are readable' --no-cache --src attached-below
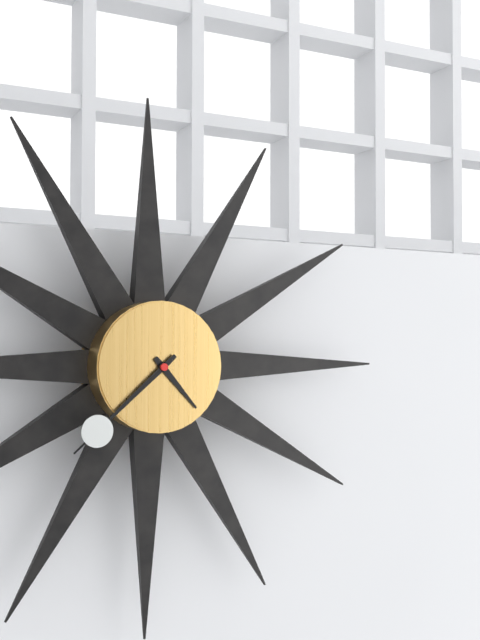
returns 4,38
